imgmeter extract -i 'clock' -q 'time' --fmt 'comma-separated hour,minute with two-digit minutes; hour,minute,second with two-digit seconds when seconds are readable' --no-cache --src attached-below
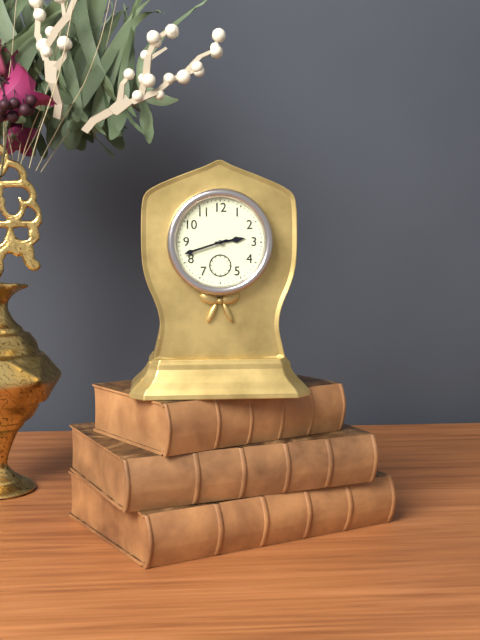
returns 2,42
